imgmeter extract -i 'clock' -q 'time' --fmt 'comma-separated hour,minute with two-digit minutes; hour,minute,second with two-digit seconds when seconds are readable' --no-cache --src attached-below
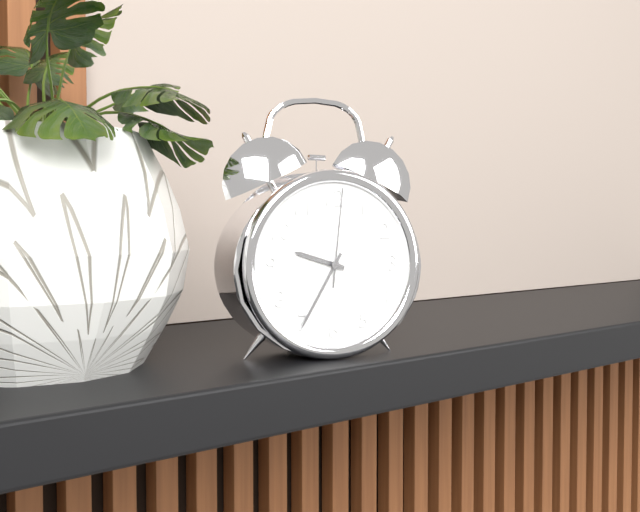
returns 9,35,01
